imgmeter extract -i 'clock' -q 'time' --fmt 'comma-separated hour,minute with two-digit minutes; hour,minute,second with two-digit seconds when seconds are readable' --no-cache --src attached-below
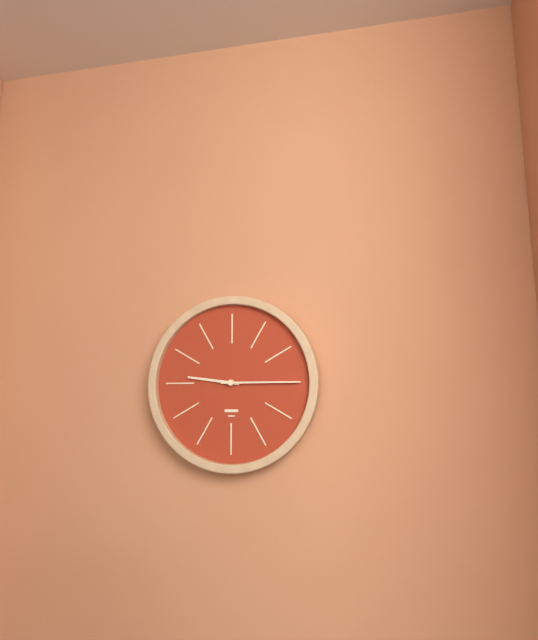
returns 9,15
